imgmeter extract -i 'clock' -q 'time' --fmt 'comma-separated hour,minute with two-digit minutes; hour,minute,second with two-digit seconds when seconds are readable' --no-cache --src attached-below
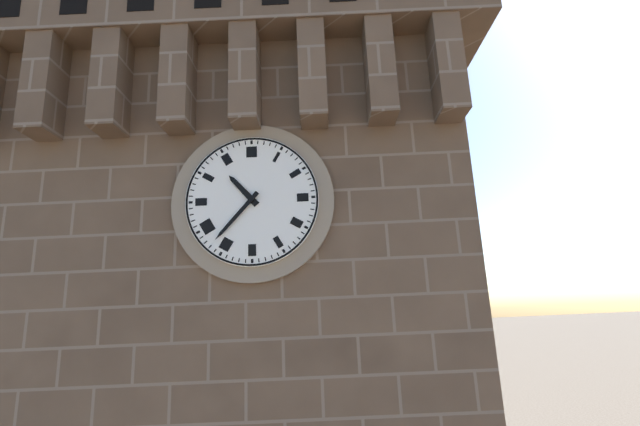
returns 10,37
